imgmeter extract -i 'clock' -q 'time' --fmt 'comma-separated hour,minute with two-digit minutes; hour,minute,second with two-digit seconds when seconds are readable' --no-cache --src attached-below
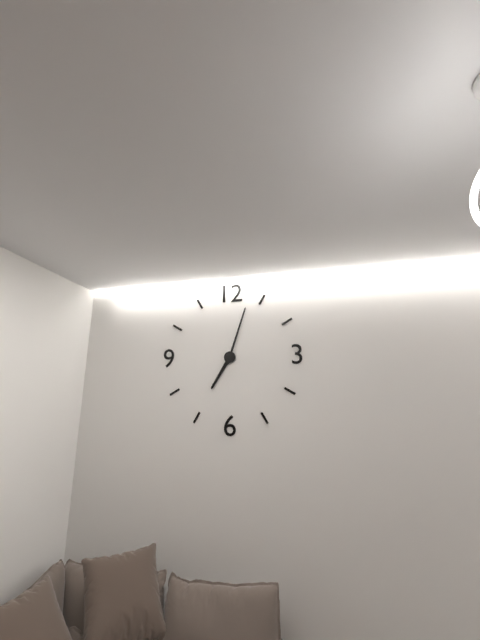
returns 7,03
